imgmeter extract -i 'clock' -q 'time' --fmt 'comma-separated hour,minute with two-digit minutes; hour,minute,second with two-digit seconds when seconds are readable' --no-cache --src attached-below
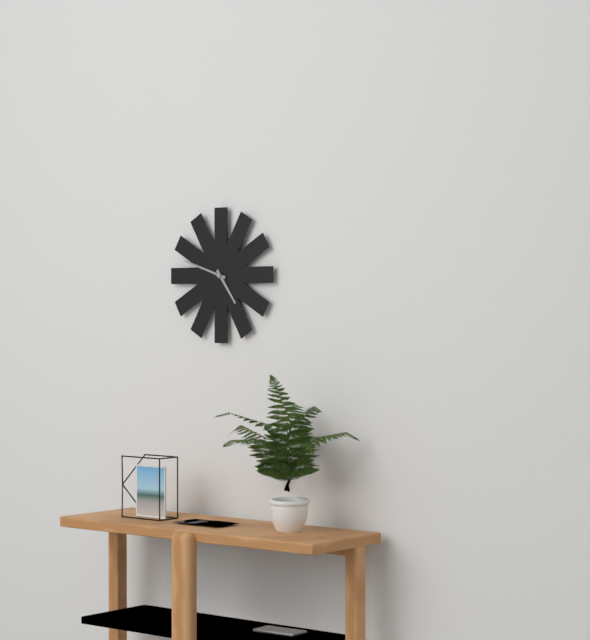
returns 4,48
